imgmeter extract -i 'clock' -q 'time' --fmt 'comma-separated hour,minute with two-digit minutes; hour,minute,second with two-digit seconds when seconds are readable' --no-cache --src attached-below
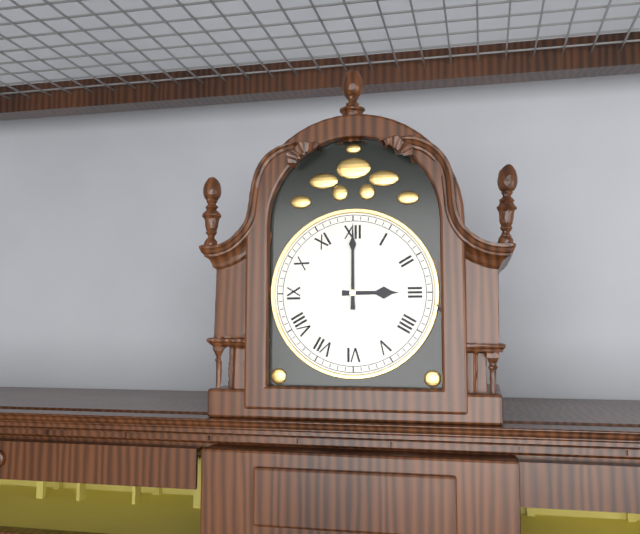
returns 3,00
